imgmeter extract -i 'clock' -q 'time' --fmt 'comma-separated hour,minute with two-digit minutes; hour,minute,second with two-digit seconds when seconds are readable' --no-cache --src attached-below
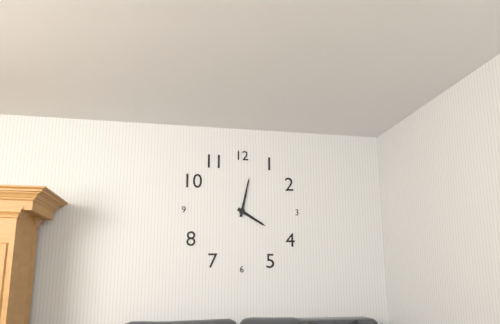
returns 4,02
